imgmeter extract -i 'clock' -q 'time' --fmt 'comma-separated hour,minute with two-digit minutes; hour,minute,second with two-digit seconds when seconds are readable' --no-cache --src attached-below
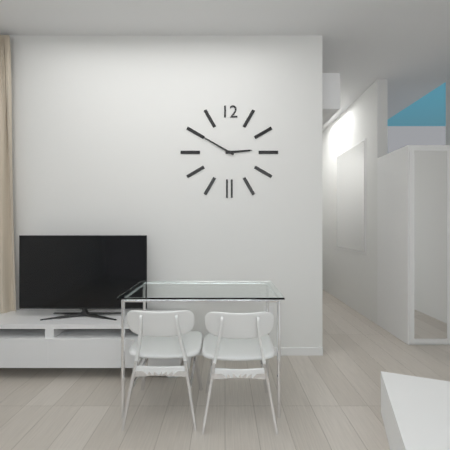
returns 2,50
